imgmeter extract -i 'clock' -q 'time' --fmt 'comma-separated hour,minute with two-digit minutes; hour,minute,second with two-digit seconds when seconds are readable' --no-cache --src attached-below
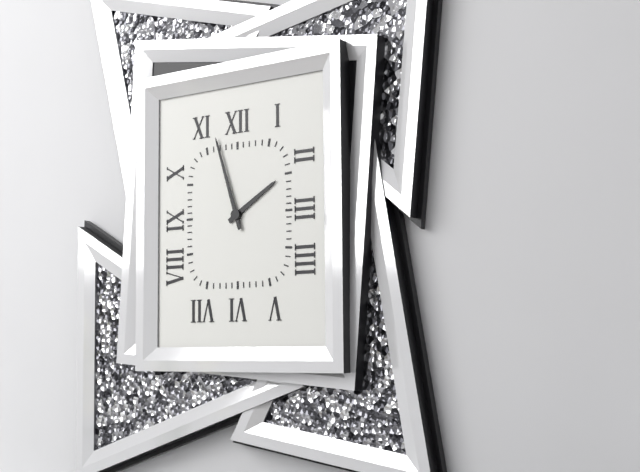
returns 1,57
